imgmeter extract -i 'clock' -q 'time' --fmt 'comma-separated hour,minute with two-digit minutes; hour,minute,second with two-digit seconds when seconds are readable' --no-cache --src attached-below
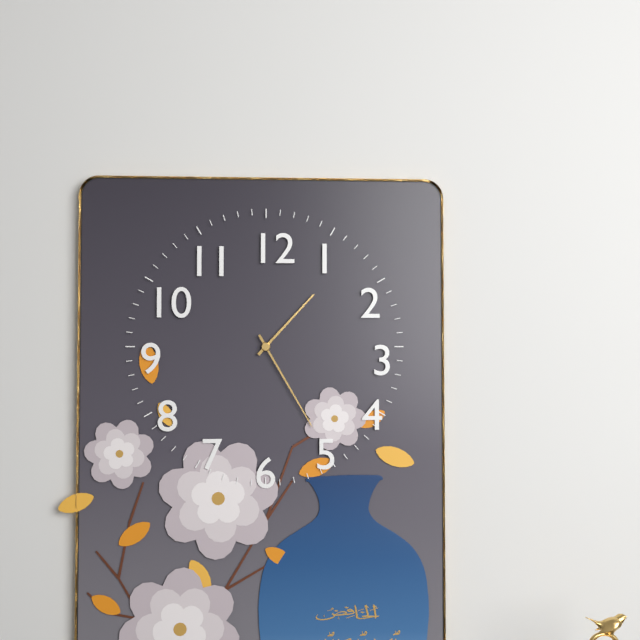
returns 1,25
